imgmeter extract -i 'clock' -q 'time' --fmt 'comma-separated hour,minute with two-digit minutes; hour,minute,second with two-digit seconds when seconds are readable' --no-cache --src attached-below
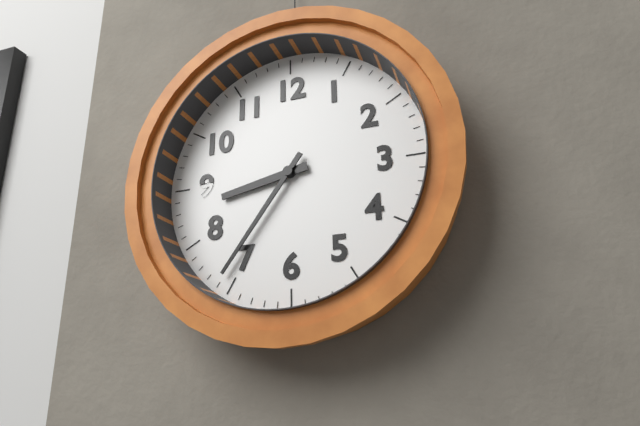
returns 8,36
